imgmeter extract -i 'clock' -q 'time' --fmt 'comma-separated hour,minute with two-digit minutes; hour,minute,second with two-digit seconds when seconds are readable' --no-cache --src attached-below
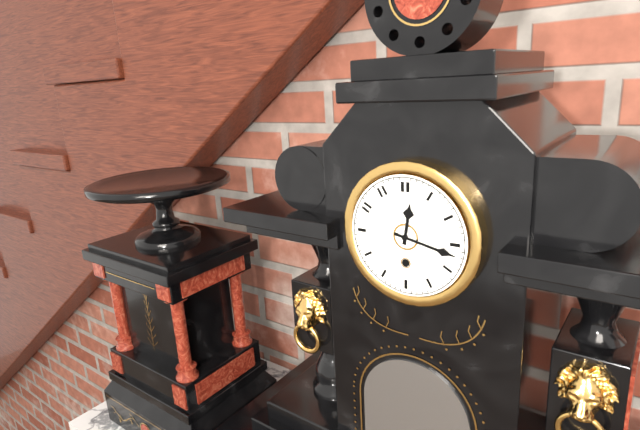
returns 12,17
